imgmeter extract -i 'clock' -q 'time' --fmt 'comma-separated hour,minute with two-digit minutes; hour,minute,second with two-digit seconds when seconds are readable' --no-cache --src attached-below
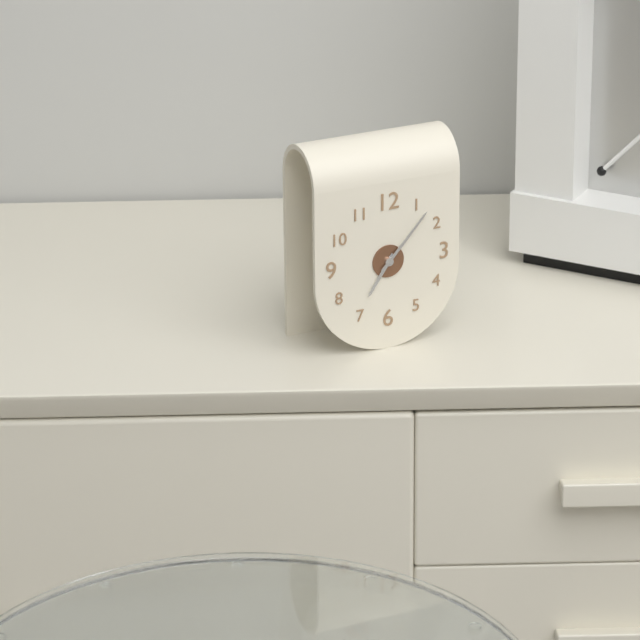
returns 7,07
